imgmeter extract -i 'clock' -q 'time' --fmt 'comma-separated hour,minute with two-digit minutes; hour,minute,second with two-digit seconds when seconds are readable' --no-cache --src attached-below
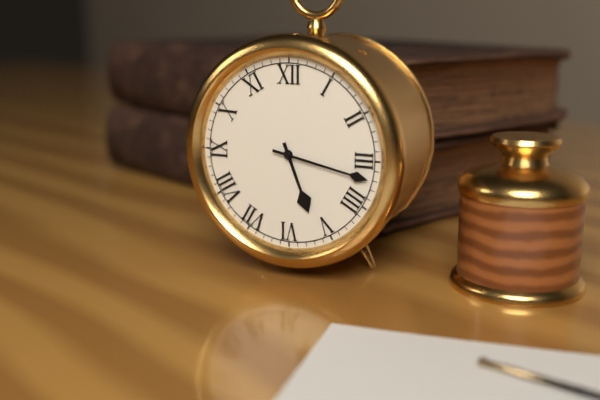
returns 5,17
